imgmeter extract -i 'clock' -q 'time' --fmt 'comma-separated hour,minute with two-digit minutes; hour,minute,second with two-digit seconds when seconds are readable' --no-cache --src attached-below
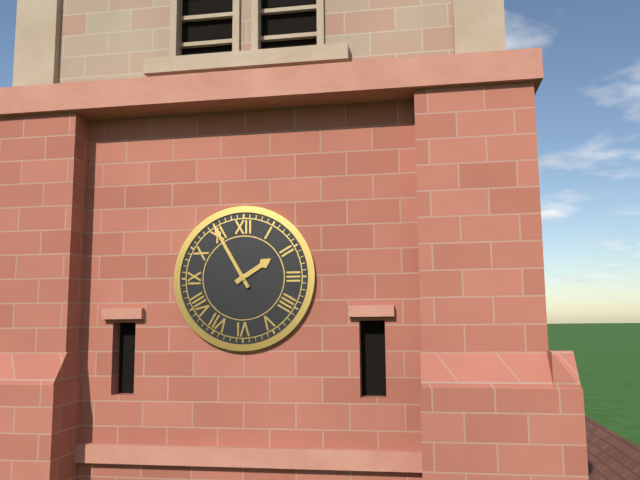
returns 1,55
